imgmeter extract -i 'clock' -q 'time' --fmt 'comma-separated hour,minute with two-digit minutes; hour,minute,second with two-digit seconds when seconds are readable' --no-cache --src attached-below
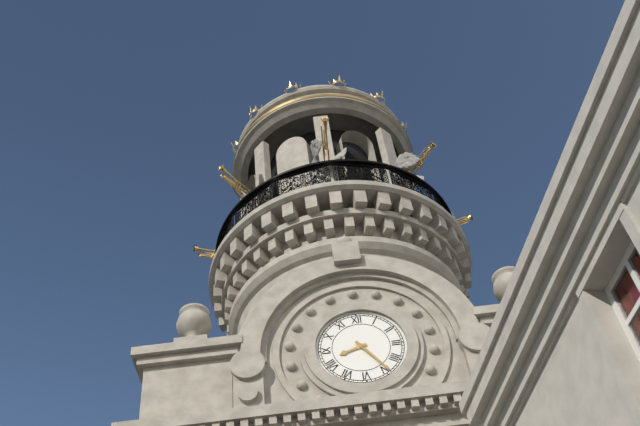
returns 8,24
